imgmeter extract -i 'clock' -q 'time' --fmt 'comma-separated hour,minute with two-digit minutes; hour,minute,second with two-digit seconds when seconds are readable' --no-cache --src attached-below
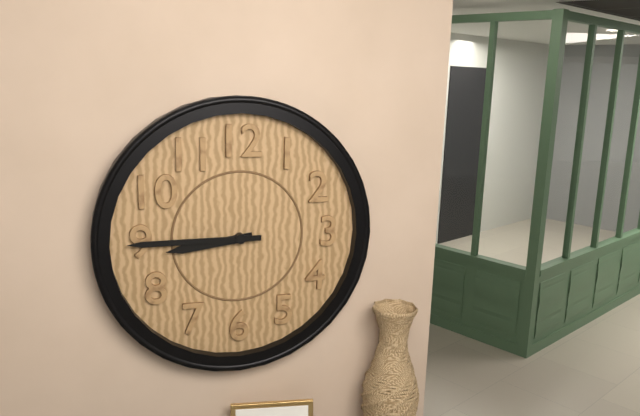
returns 8,45
